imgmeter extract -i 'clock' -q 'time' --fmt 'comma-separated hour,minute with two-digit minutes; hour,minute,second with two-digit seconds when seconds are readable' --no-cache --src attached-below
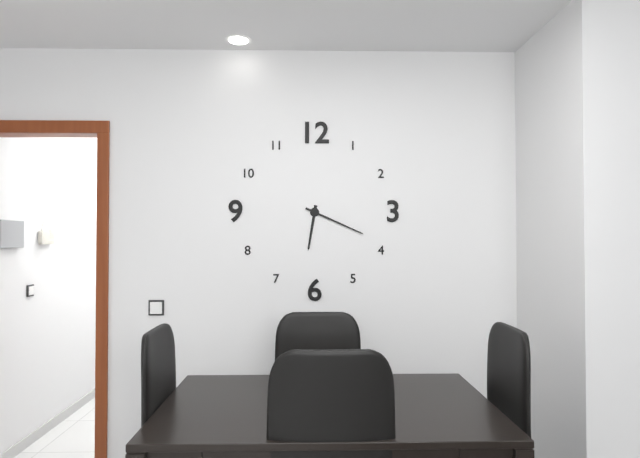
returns 6,19
